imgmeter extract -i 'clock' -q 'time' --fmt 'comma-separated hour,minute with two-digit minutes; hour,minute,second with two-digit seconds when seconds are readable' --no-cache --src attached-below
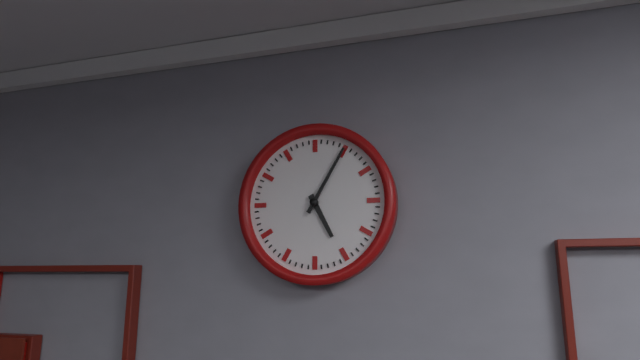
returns 5,05
